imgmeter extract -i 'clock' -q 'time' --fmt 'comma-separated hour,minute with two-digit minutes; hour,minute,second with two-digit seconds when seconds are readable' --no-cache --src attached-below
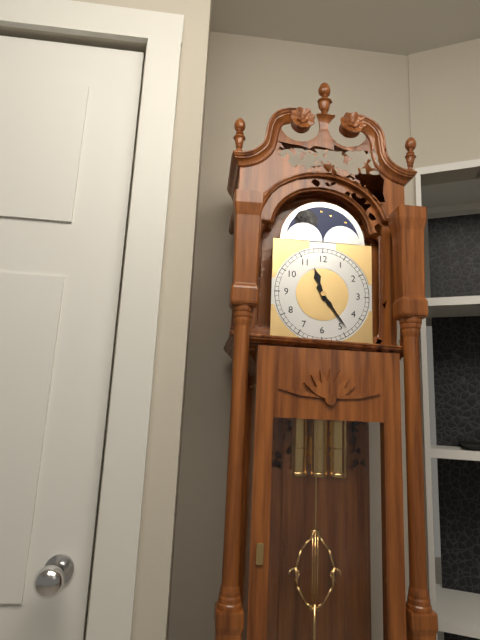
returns 11,24
